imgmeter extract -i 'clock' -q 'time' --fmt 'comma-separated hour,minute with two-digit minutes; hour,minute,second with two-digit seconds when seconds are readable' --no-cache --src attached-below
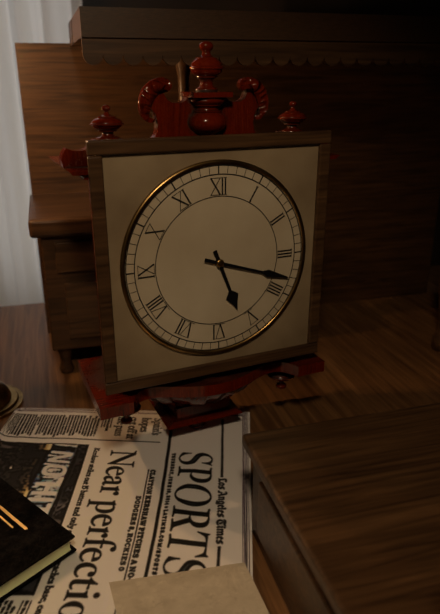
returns 5,18
